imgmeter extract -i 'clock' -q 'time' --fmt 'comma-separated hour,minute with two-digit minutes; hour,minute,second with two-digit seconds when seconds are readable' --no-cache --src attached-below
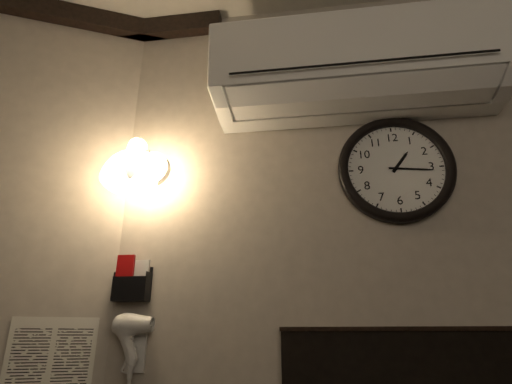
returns 1,16
